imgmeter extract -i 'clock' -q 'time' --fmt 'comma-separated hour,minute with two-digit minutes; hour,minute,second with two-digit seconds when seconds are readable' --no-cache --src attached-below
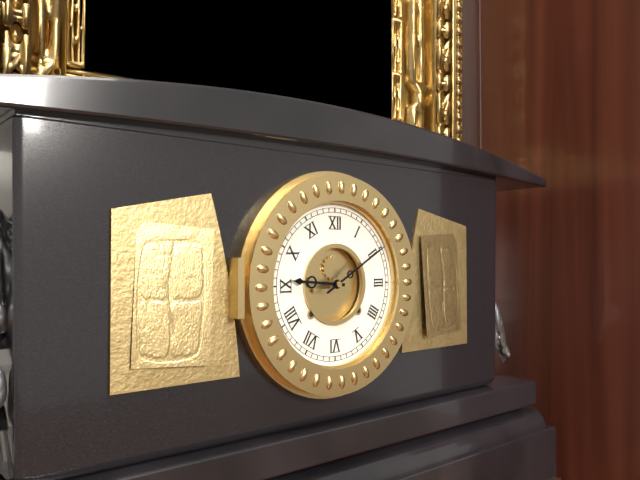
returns 9,10
